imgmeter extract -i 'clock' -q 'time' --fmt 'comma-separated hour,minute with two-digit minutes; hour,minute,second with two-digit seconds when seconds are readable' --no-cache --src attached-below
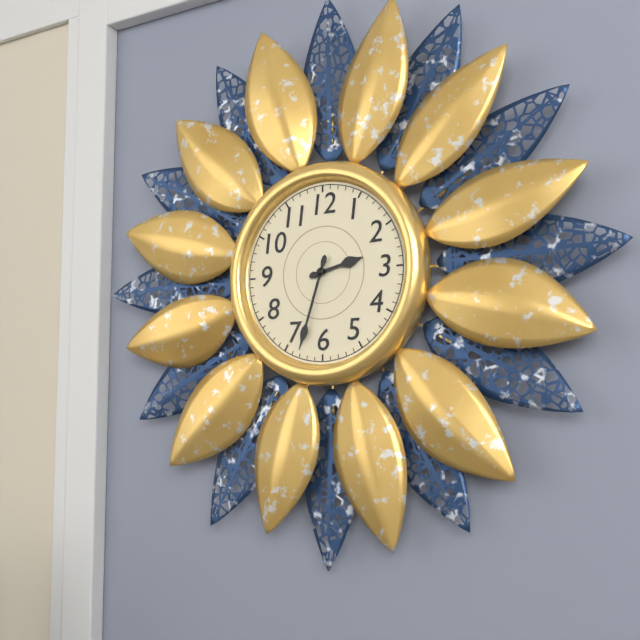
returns 2,33
